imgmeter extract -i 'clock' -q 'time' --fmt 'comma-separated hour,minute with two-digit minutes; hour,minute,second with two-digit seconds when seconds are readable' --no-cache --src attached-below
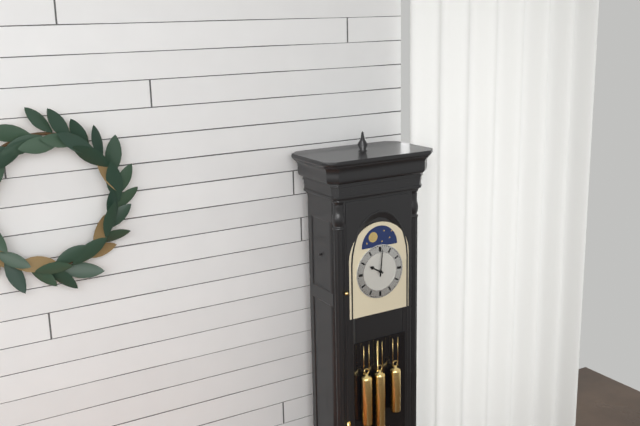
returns 10,01
